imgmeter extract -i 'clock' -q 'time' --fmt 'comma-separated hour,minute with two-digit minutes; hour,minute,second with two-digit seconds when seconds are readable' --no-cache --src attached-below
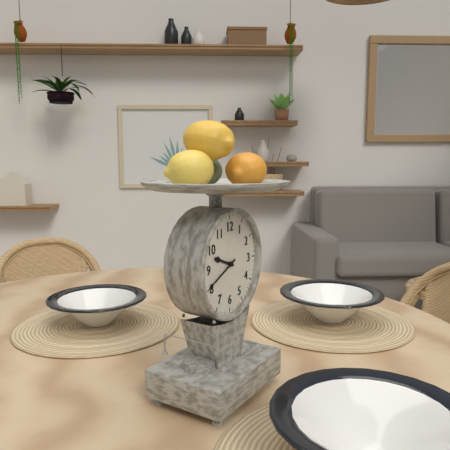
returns 9,41
